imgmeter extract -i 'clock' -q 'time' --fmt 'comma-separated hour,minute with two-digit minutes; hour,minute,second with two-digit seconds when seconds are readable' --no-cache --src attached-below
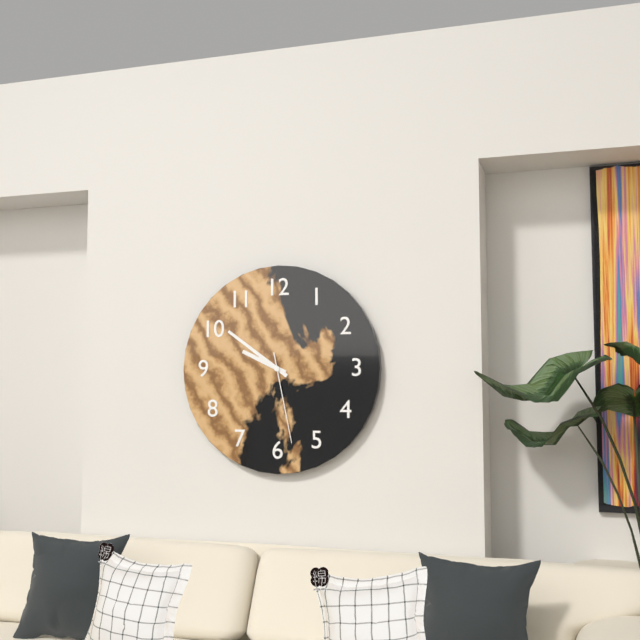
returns 9,51,28
